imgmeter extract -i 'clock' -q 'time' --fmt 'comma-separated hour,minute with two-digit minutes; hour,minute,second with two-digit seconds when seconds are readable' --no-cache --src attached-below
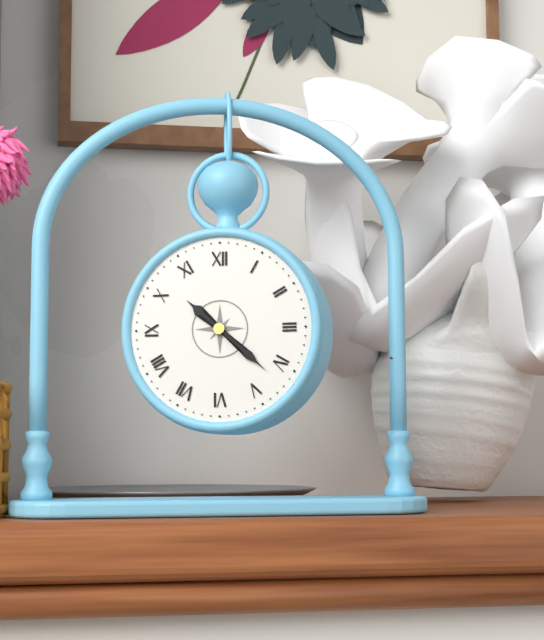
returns 10,22
